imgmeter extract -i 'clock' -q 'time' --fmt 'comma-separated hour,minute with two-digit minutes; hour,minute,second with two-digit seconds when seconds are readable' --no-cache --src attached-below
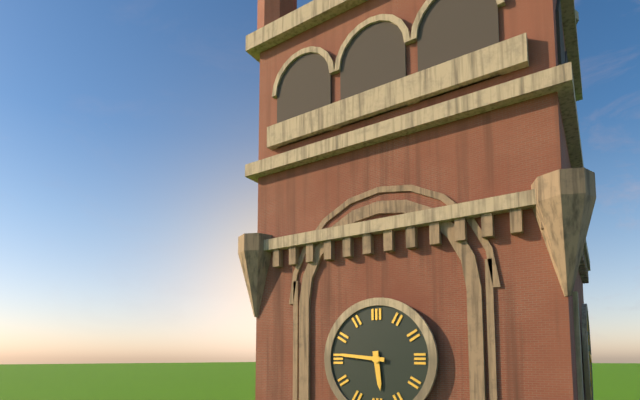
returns 5,46
